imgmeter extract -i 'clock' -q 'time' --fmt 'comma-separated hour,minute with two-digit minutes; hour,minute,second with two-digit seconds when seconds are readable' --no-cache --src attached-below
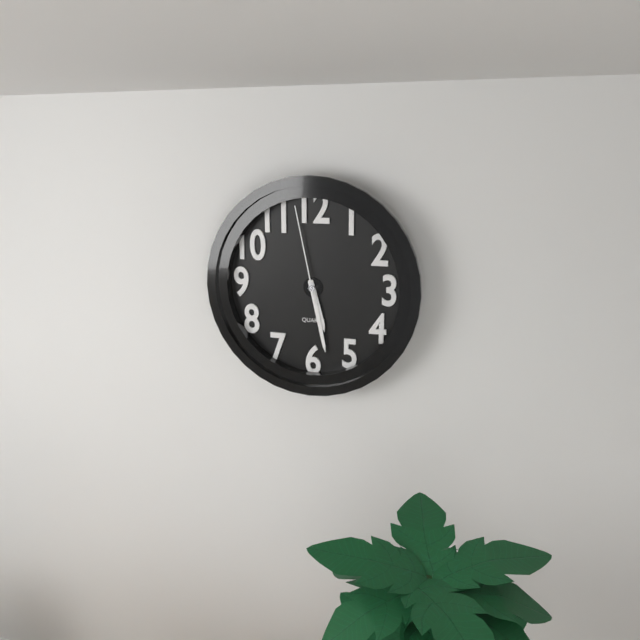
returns 5,28,58
